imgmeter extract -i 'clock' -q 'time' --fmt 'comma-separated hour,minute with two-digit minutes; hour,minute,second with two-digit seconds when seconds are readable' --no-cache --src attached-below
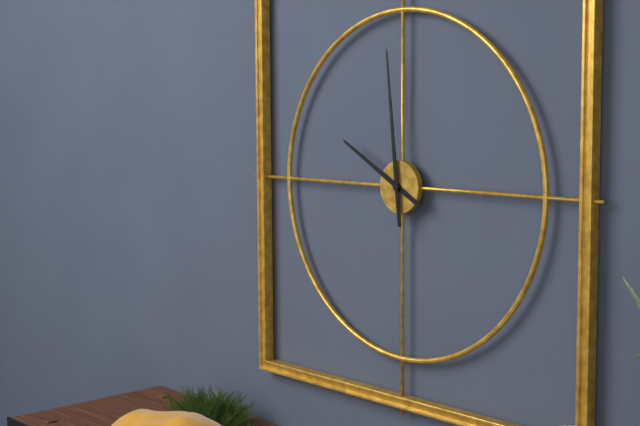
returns 9,59
